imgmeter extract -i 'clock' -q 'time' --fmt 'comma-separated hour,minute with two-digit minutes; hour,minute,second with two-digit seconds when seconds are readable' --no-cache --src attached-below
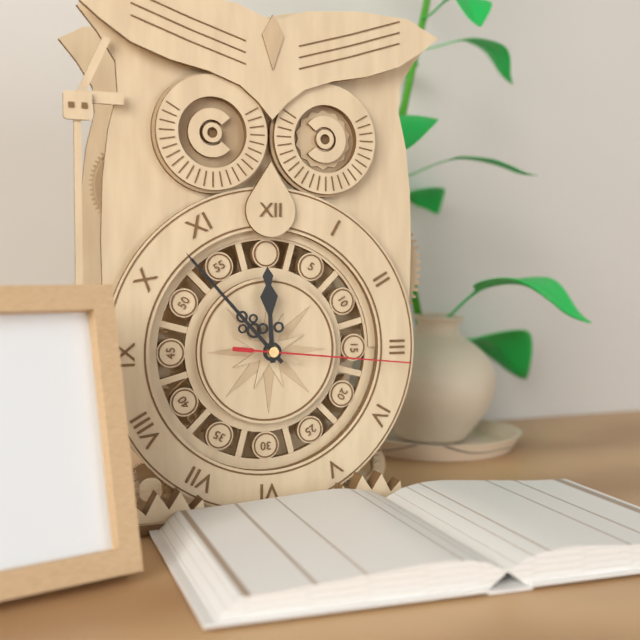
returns 11,53,16
